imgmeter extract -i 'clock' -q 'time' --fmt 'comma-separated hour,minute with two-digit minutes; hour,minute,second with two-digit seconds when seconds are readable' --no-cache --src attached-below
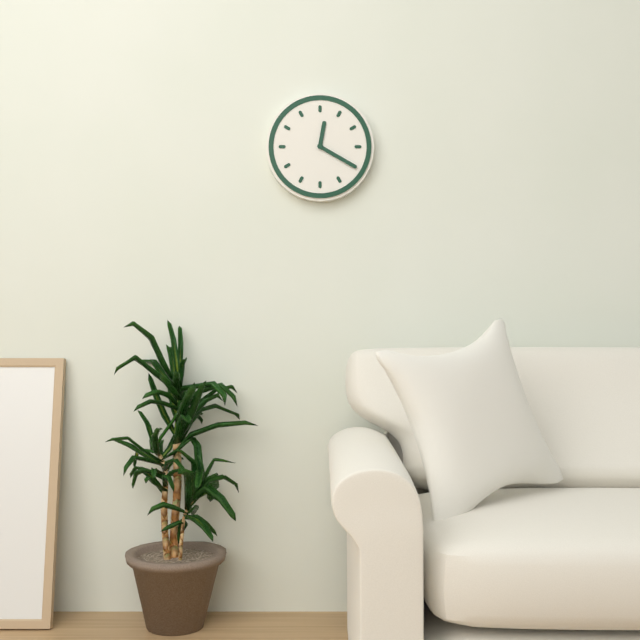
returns 12,20
